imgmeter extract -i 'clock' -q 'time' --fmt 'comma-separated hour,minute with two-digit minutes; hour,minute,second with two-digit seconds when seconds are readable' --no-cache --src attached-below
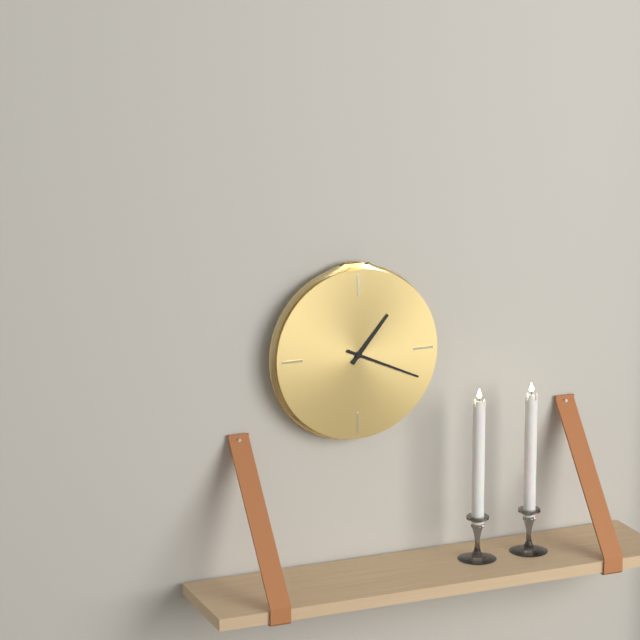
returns 1,19
